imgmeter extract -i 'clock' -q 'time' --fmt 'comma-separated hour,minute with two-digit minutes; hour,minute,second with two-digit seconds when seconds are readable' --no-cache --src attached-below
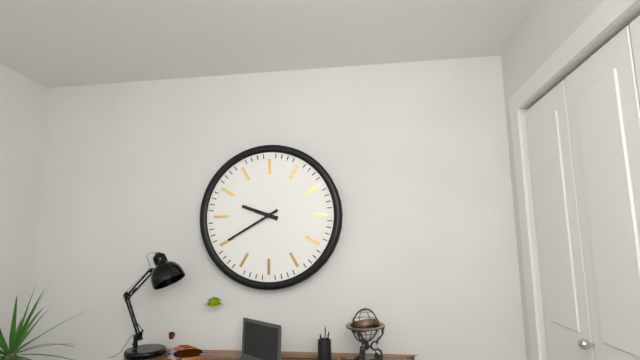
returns 9,40
